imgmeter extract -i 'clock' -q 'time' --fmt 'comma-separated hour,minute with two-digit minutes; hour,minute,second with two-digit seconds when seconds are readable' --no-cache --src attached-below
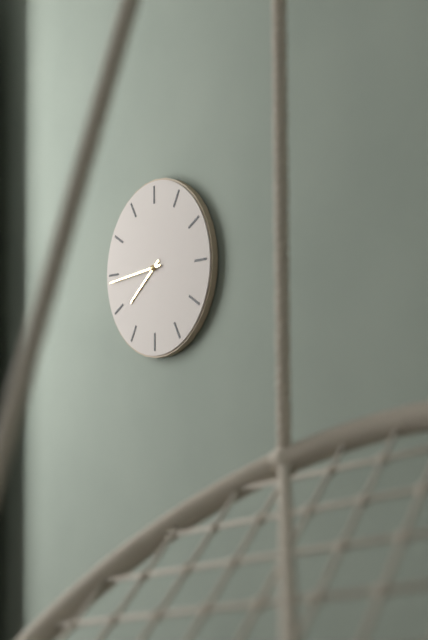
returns 7,44
